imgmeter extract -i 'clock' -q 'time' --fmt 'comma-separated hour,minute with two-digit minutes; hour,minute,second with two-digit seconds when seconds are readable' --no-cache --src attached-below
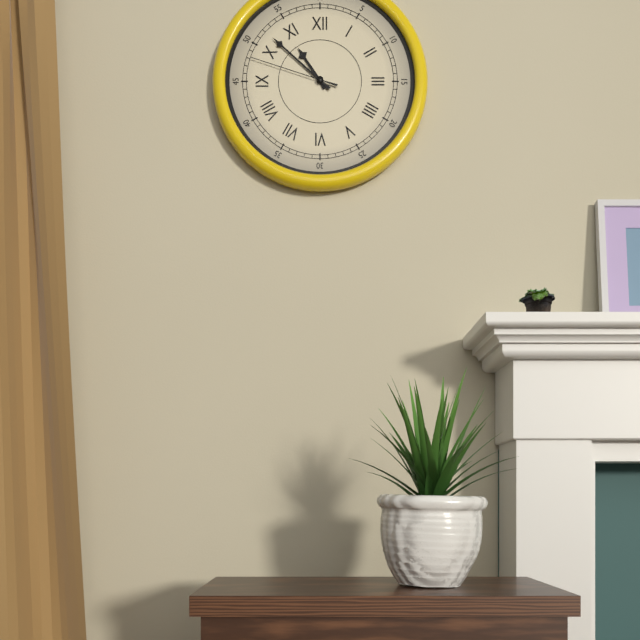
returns 10,52,48
